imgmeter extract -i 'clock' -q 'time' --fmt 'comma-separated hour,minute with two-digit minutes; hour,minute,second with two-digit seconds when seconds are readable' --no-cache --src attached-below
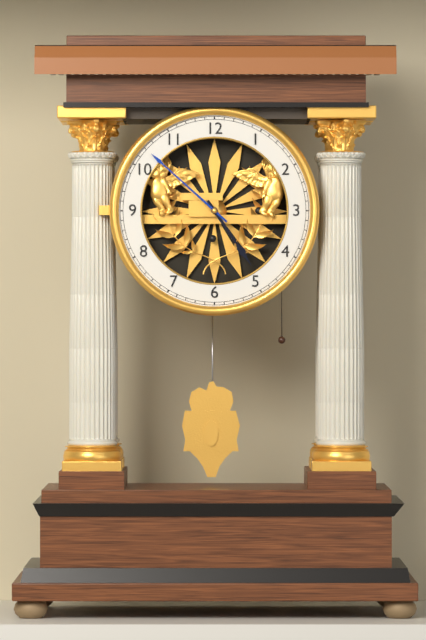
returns 4,52
